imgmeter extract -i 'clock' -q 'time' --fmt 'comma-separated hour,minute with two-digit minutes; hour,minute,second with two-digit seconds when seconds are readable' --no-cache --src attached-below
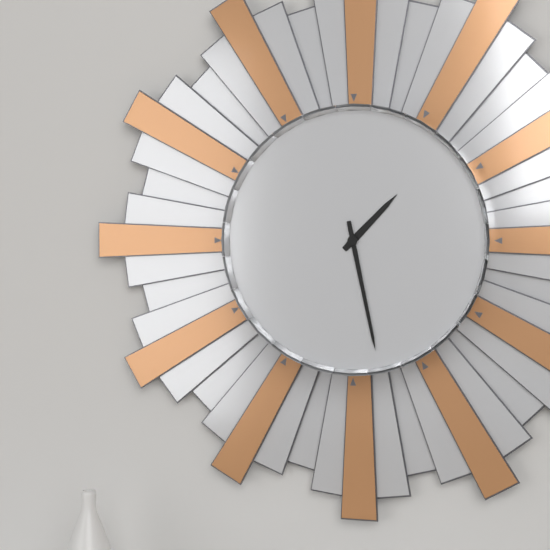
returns 1,28
